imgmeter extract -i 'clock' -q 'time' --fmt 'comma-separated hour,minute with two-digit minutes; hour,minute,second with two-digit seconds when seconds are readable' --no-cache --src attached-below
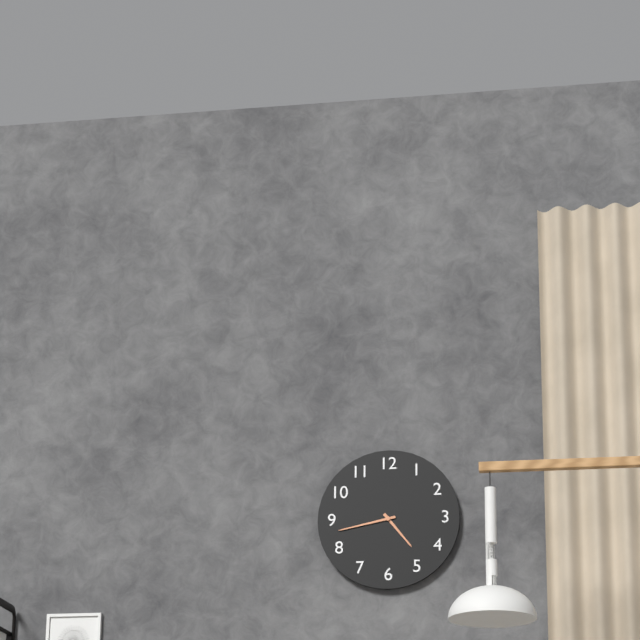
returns 4,43
